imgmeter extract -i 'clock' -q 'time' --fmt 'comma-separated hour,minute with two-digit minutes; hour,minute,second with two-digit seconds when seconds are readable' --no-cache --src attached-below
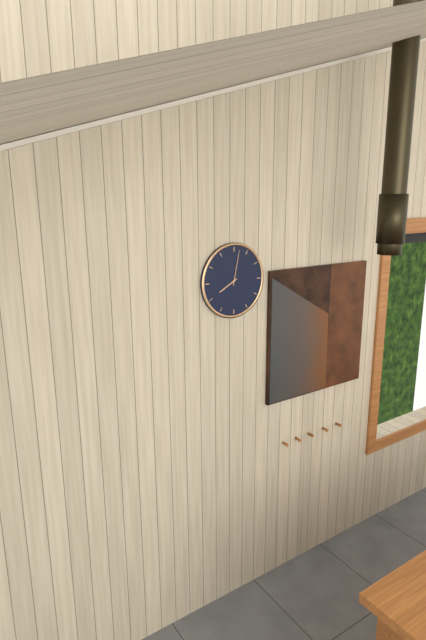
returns 8,02
